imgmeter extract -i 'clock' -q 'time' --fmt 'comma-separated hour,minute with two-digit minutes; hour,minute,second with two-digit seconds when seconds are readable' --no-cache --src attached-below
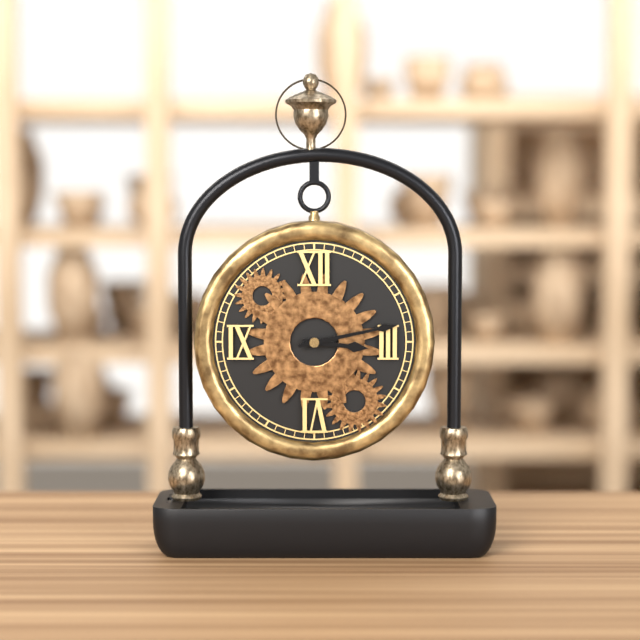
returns 3,13
